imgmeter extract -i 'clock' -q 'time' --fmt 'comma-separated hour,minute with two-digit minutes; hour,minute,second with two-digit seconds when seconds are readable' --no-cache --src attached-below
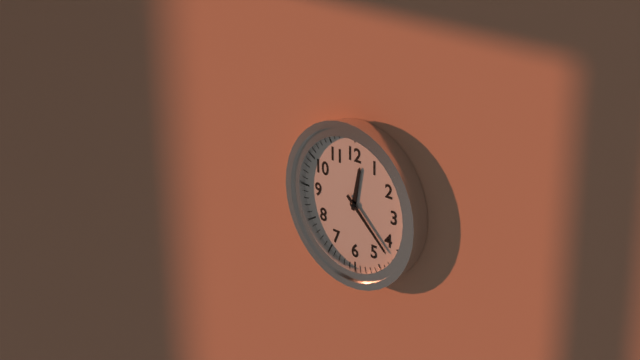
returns 12,22
